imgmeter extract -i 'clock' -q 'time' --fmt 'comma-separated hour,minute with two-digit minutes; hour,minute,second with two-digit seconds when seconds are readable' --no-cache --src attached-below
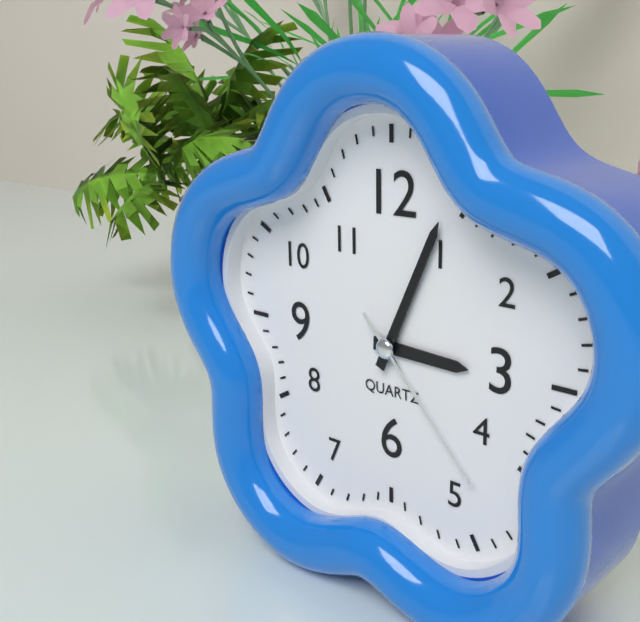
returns 3,04,23
